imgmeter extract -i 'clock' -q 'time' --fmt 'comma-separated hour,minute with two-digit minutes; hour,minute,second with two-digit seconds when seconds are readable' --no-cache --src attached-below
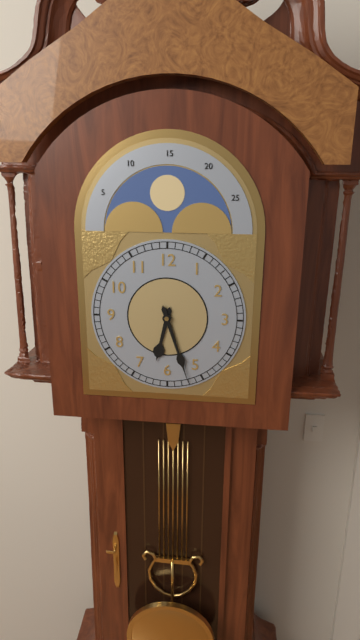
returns 6,27
